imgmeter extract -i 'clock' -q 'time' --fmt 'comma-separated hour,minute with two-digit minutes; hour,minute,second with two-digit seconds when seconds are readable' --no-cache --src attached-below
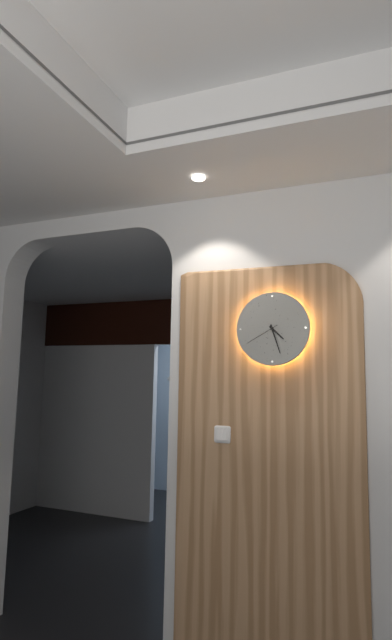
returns 4,27
